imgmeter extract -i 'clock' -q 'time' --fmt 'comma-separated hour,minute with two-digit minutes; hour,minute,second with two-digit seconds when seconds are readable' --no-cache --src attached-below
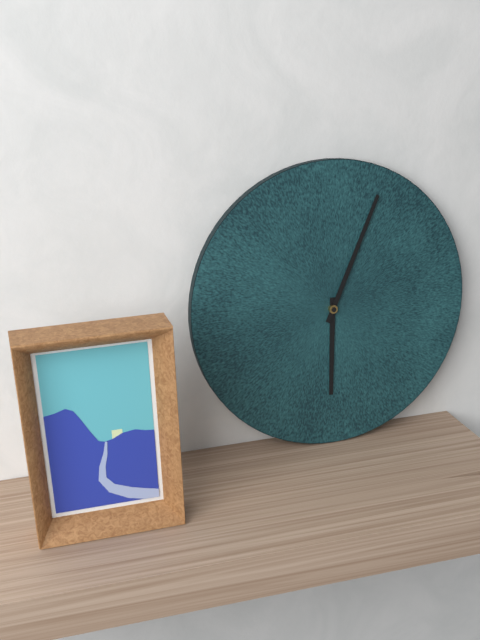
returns 6,04
